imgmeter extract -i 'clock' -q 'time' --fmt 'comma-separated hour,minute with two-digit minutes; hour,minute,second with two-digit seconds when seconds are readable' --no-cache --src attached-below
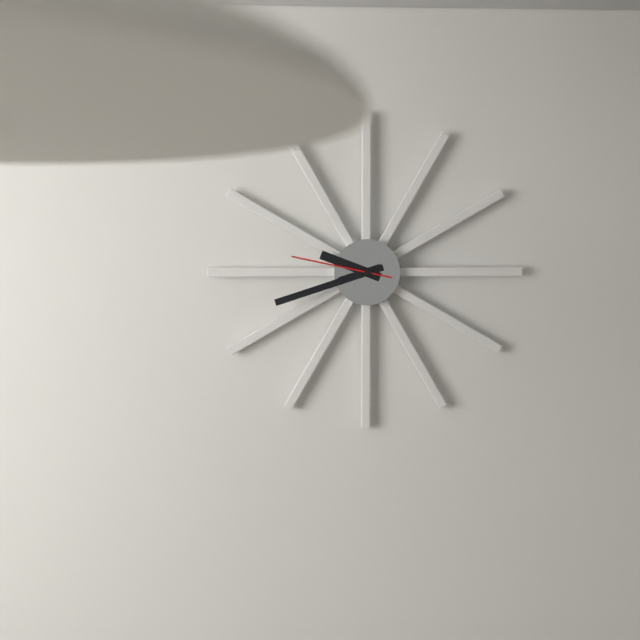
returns 9,42,47
